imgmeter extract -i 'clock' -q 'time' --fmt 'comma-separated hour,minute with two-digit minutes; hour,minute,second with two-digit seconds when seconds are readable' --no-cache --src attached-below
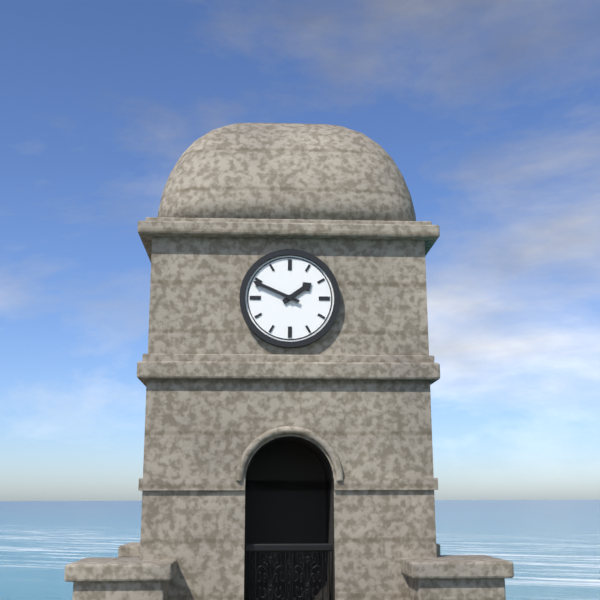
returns 1,49
